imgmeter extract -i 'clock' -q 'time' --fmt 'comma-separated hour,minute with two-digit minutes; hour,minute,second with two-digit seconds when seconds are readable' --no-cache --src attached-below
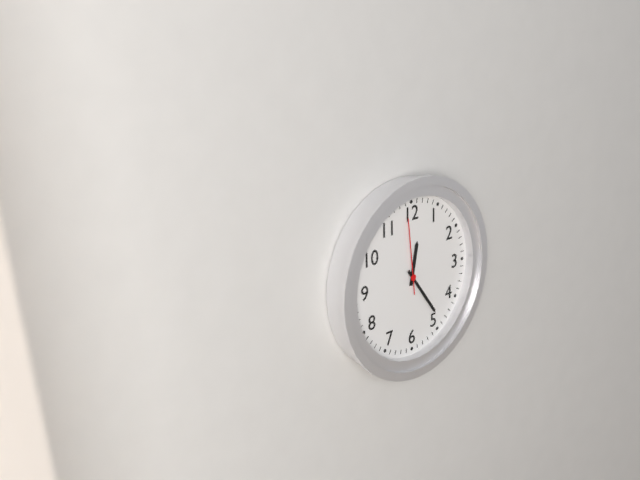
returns 12,24,59
